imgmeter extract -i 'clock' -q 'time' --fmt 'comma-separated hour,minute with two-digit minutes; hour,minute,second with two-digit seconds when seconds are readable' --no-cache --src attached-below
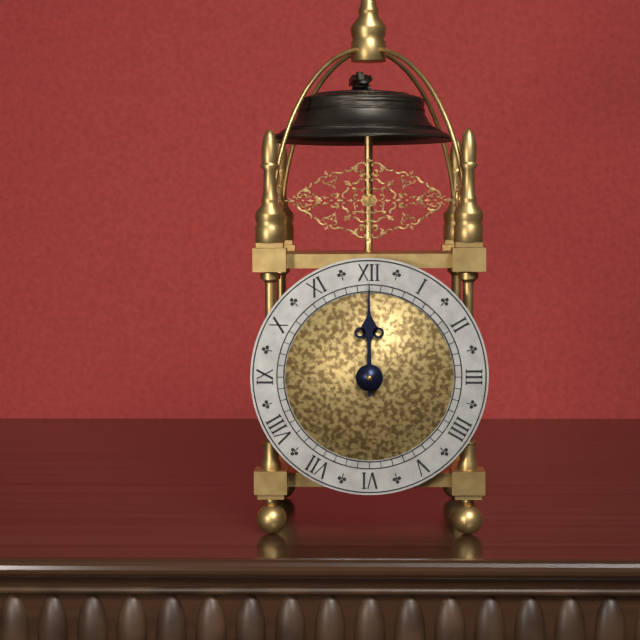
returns 12,00
